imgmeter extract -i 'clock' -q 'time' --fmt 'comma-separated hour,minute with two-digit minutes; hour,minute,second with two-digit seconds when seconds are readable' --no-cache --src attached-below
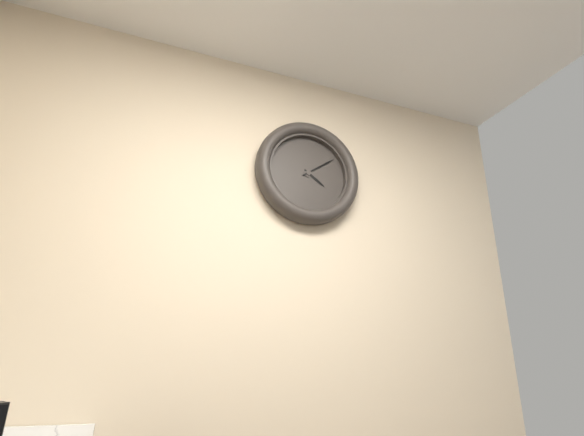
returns 4,09
